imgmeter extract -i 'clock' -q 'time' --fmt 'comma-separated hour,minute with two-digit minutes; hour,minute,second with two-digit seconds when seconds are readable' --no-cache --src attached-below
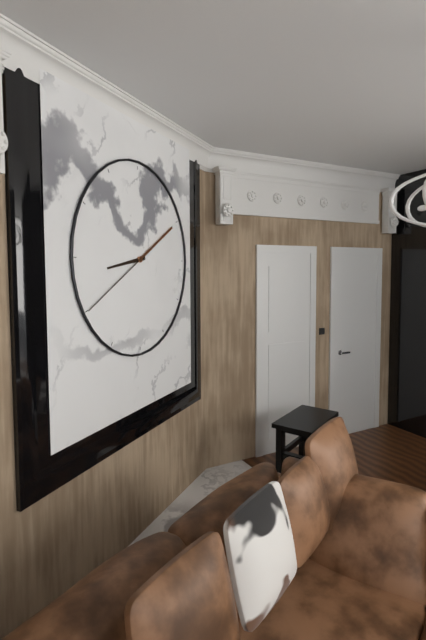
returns 8,40
